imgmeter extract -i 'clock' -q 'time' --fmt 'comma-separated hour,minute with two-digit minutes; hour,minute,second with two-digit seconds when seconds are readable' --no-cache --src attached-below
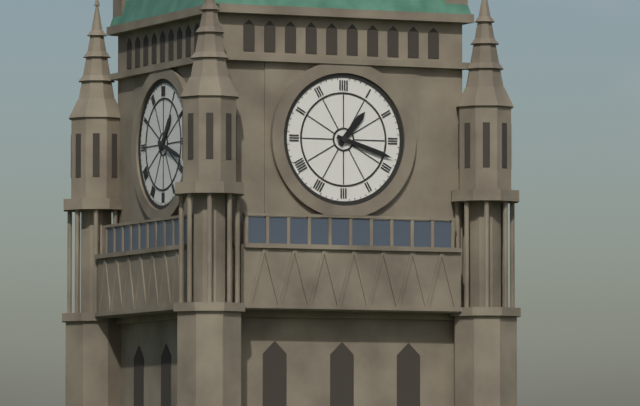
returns 1,18
